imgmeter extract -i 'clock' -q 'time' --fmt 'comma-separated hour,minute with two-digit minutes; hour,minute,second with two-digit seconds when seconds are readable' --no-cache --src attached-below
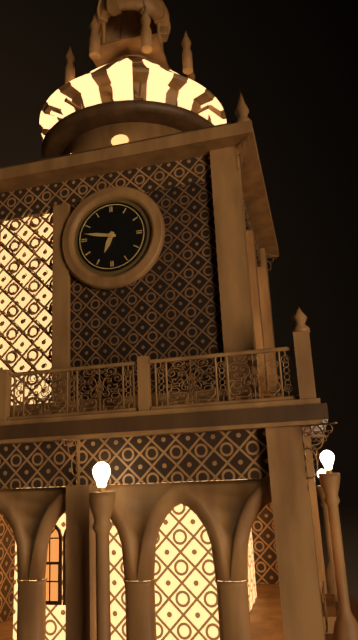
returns 6,47
